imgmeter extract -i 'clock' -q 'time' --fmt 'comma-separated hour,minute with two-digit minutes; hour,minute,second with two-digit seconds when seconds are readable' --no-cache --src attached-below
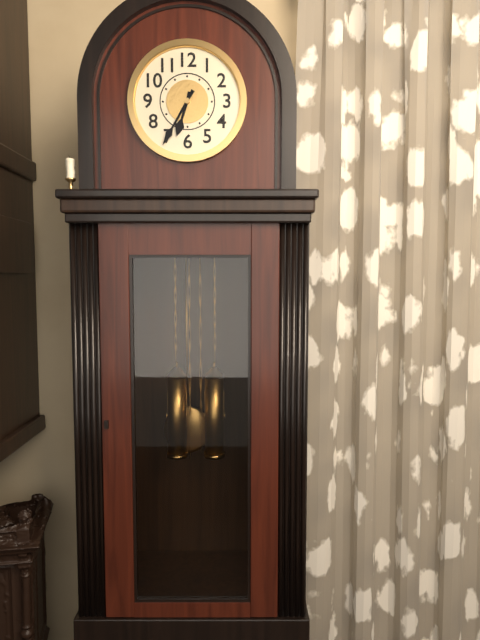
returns 6,35
